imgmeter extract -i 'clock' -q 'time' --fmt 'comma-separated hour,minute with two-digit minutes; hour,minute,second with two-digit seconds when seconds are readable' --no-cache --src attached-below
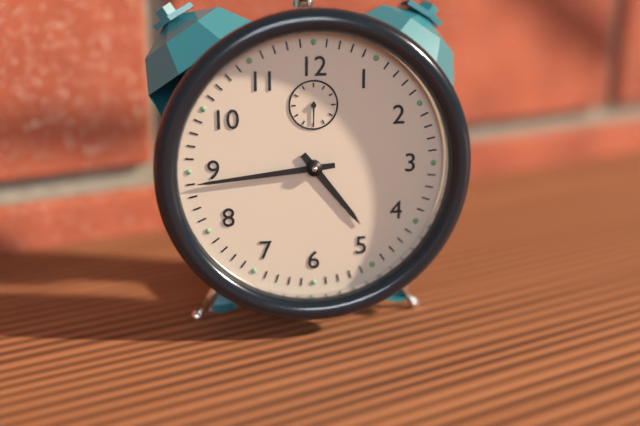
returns 4,44
